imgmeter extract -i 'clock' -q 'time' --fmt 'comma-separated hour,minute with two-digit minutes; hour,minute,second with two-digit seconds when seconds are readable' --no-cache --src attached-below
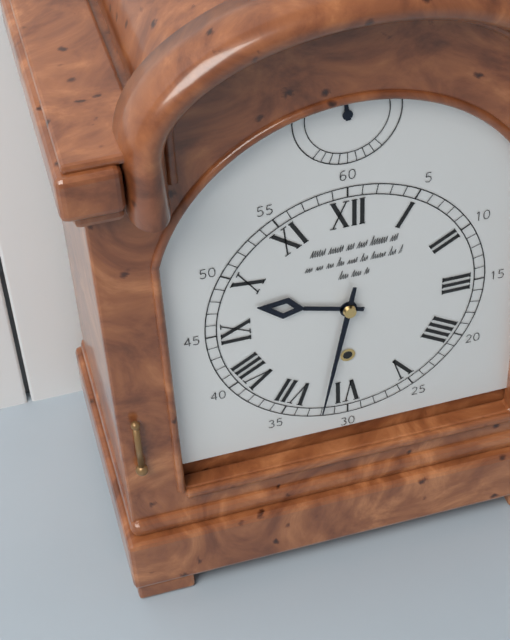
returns 9,32
